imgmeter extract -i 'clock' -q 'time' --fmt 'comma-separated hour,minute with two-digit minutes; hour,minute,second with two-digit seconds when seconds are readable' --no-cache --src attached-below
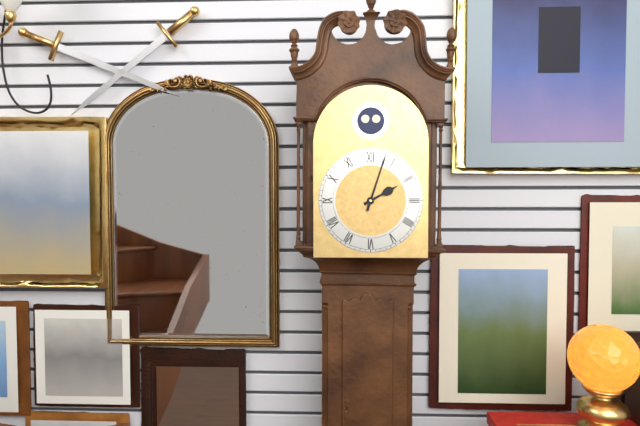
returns 2,03
